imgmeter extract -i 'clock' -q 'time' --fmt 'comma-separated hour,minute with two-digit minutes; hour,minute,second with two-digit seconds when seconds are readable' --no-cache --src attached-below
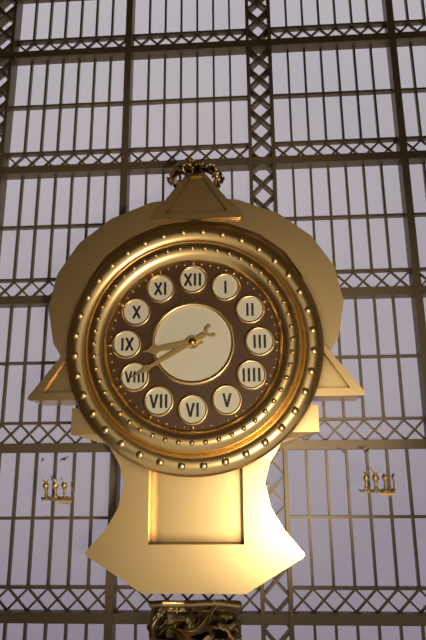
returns 8,40
